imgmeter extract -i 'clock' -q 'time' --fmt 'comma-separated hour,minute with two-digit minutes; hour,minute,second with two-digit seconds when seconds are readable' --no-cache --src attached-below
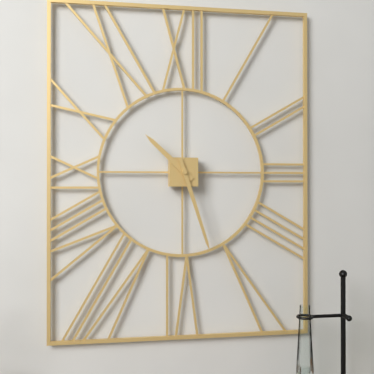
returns 10,27
